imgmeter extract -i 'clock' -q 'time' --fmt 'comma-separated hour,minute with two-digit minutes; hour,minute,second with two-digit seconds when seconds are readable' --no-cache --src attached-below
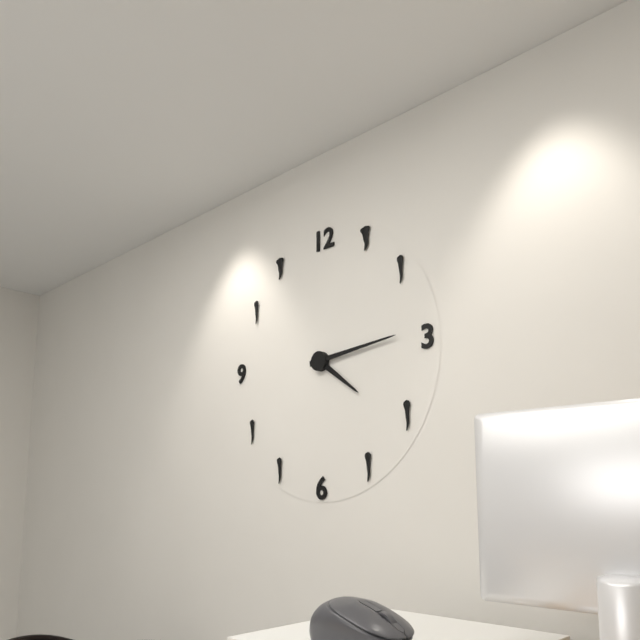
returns 4,14
